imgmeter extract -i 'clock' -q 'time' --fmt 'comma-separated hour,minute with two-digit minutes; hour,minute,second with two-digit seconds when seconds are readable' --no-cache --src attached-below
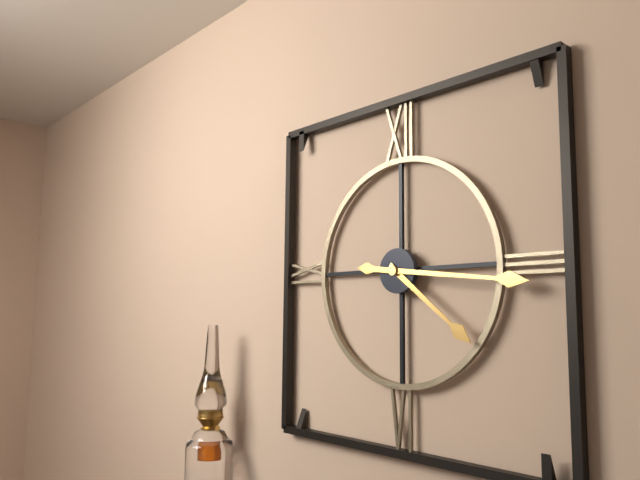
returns 4,16
